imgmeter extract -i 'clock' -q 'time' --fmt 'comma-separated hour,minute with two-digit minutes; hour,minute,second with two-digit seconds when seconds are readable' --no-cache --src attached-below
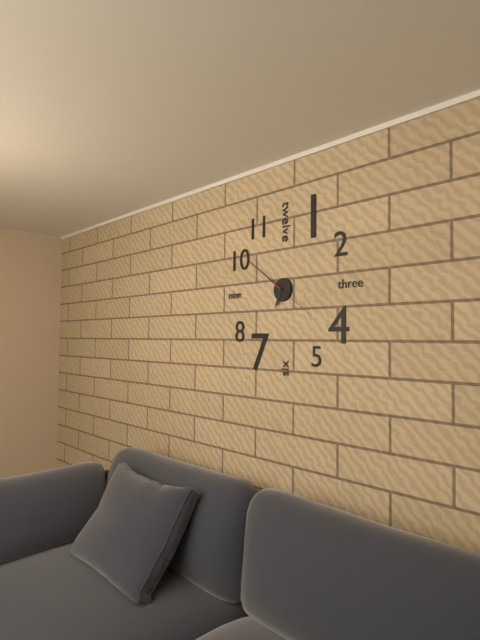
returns 6,51
